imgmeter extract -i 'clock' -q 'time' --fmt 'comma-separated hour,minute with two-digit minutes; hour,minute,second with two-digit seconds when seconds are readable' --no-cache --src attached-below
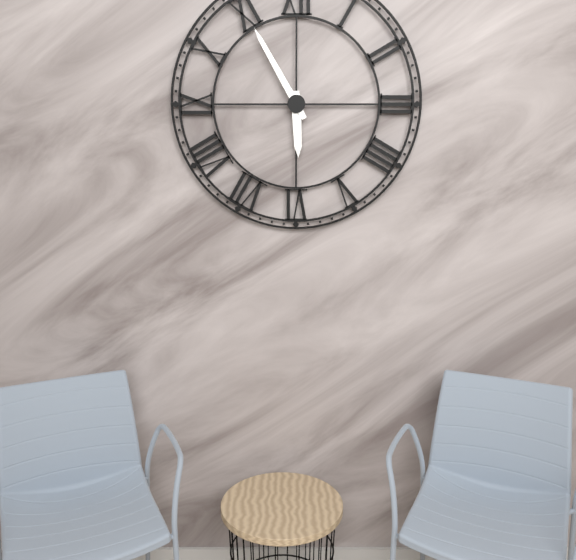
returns 5,55
